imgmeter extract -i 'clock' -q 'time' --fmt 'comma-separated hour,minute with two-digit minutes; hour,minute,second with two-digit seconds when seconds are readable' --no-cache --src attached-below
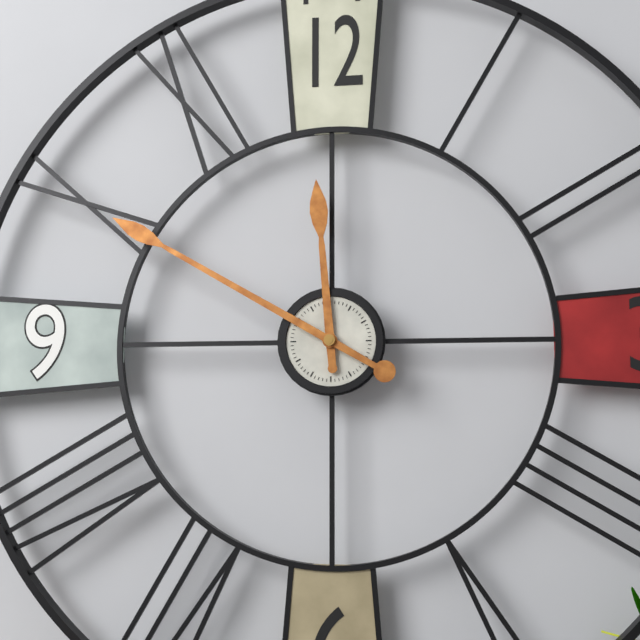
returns 11,50
